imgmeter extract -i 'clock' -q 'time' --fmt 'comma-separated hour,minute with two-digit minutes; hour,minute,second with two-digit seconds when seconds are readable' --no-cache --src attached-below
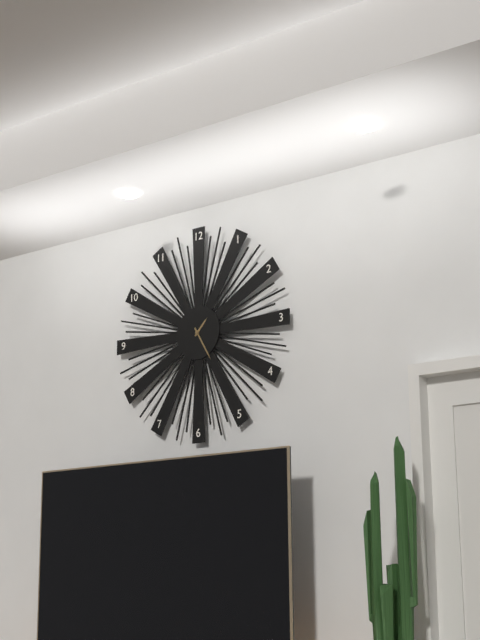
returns 1,25
